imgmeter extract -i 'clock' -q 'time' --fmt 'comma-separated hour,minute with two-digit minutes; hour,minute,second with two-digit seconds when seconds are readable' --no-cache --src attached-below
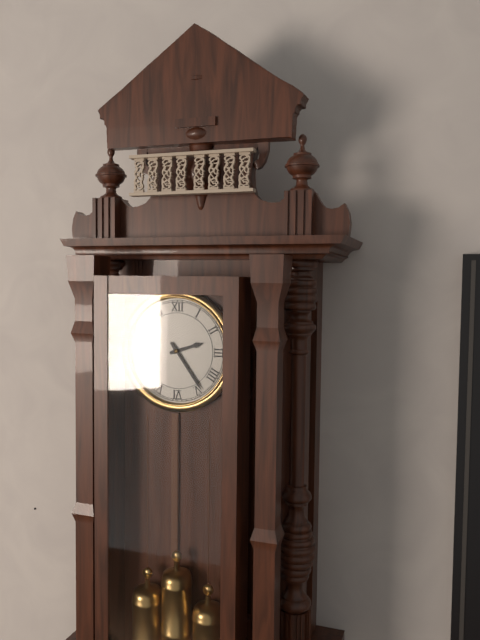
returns 2,24
